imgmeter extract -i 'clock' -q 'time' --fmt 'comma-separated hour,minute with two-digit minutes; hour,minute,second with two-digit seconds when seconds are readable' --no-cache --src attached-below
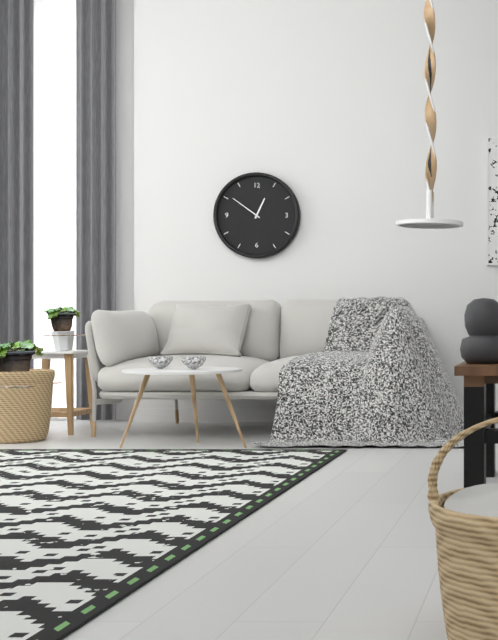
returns 12,51
